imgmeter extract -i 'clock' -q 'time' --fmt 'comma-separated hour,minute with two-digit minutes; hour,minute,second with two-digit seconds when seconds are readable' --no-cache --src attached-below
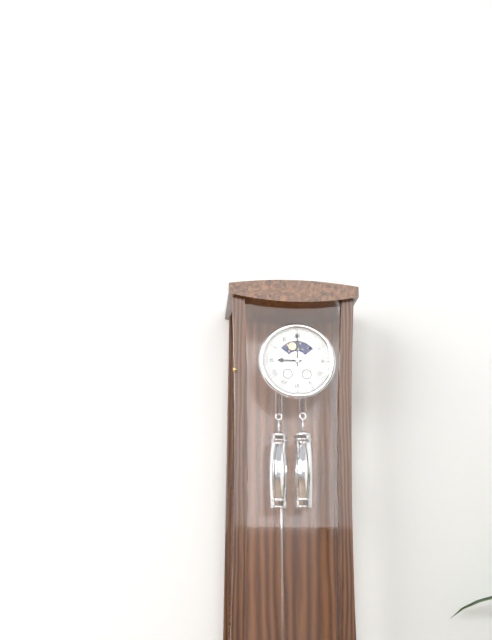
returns 9,00
